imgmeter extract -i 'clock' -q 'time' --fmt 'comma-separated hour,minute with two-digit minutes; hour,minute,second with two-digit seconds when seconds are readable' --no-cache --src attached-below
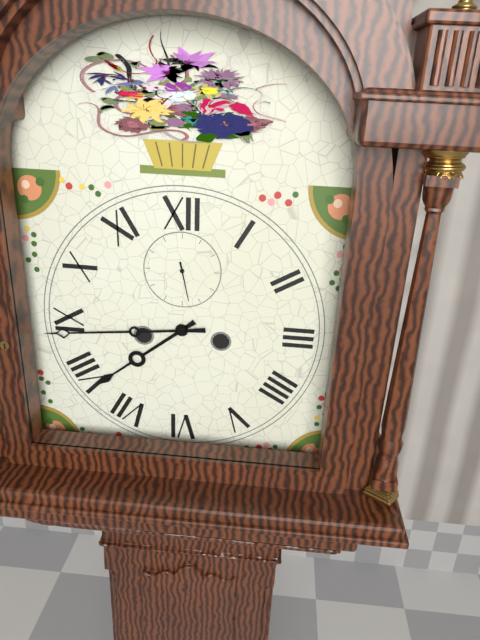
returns 7,44
